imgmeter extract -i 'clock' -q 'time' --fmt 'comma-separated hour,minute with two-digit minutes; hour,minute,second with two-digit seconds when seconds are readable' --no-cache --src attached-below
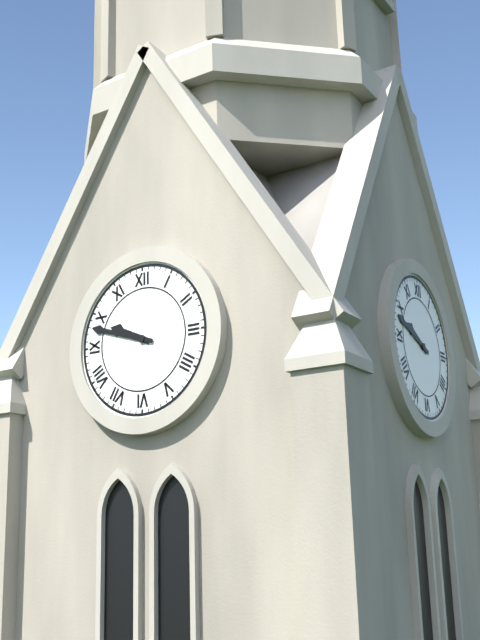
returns 9,48
